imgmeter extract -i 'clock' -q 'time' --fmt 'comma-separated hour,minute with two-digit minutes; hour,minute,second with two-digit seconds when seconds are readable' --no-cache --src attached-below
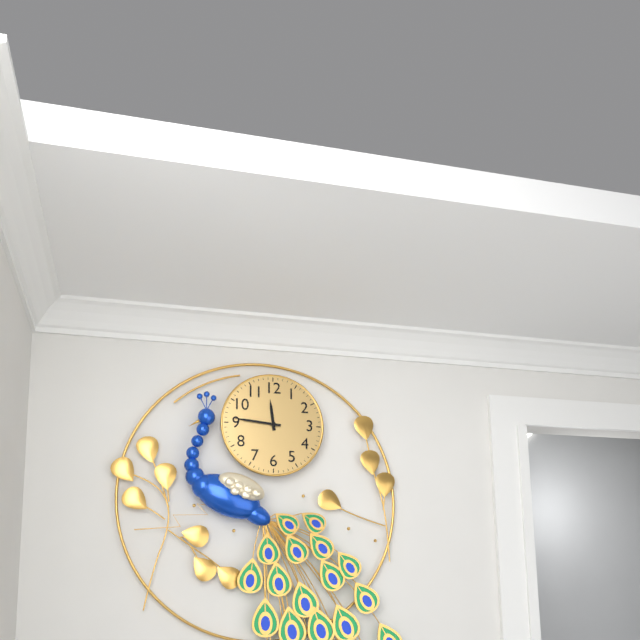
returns 11,46
